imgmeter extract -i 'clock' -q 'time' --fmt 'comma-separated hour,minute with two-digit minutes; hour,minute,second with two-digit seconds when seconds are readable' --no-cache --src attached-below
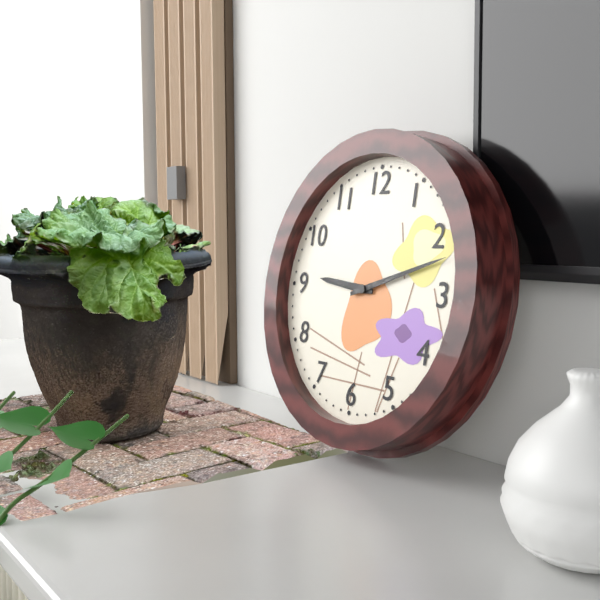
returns 9,12
